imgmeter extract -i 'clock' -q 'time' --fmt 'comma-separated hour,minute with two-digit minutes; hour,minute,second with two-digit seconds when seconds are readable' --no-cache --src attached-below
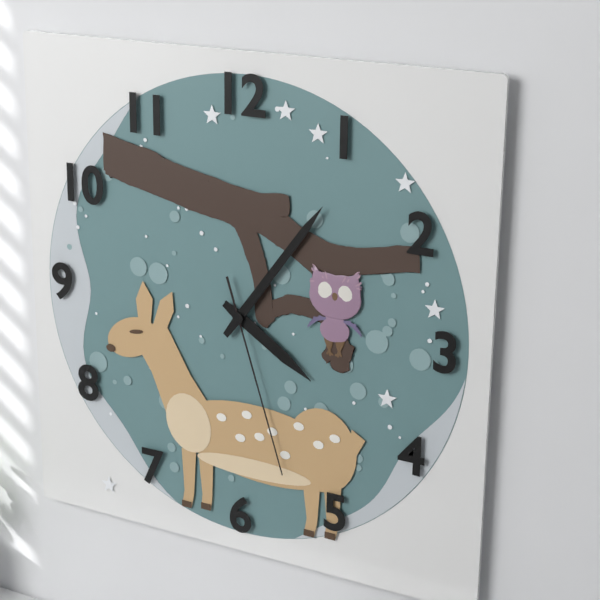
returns 4,06,27
